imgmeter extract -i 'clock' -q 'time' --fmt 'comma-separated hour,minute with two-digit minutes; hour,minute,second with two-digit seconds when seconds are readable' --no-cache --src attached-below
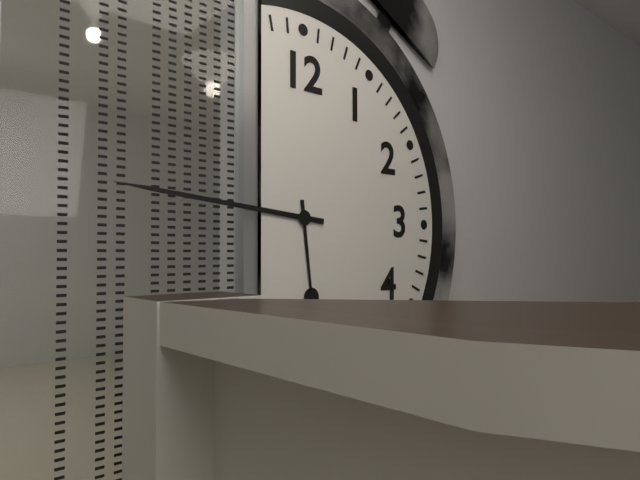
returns 5,46
